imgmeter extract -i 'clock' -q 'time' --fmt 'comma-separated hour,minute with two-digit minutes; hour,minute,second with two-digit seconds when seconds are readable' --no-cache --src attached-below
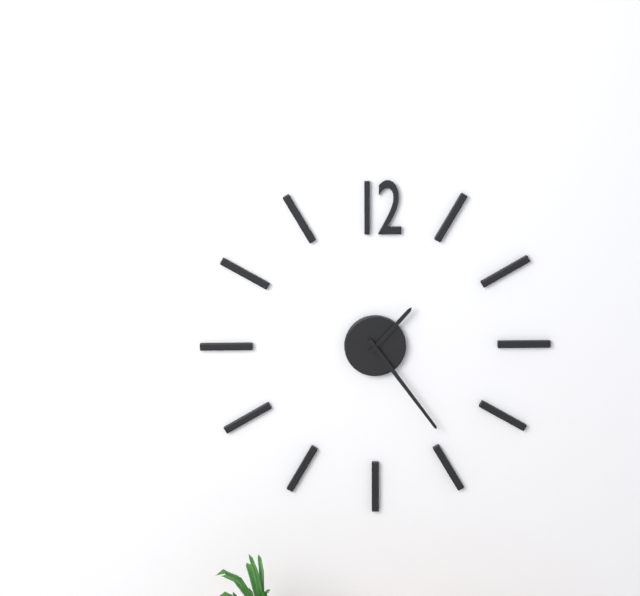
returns 1,24
